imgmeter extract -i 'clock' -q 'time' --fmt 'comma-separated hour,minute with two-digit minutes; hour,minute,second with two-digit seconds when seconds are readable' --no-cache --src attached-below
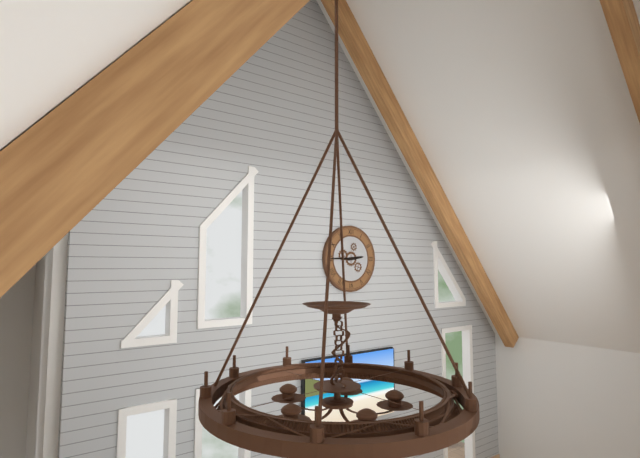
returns 2,45
